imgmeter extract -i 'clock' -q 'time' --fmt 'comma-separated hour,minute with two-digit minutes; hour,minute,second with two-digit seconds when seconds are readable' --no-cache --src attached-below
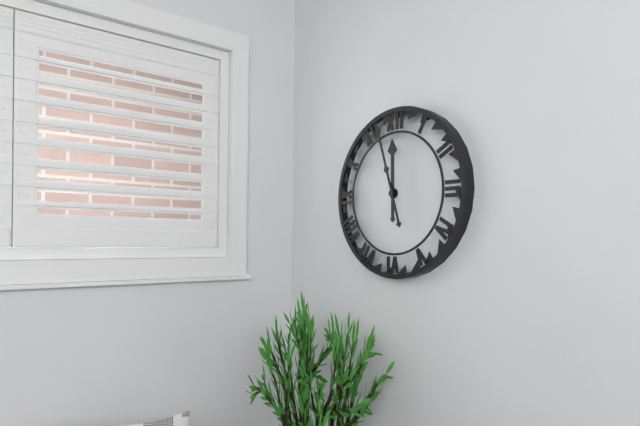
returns 11,57
